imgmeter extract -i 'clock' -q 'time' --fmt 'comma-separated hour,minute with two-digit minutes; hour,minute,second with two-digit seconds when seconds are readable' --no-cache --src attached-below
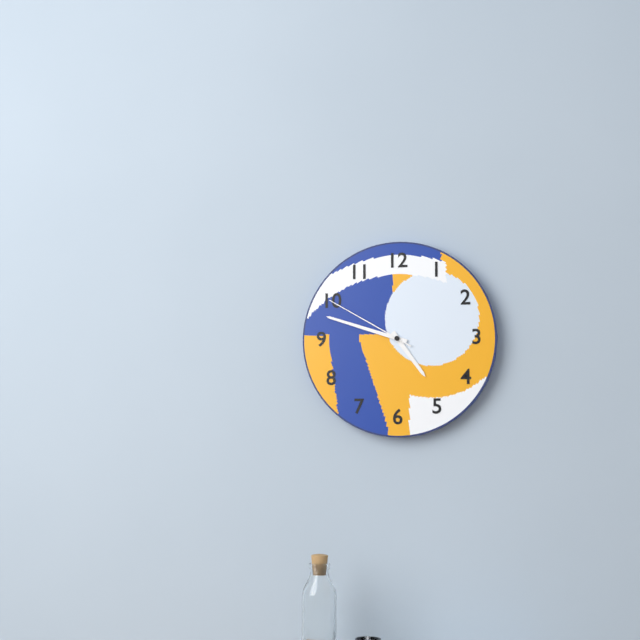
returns 4,48,50
